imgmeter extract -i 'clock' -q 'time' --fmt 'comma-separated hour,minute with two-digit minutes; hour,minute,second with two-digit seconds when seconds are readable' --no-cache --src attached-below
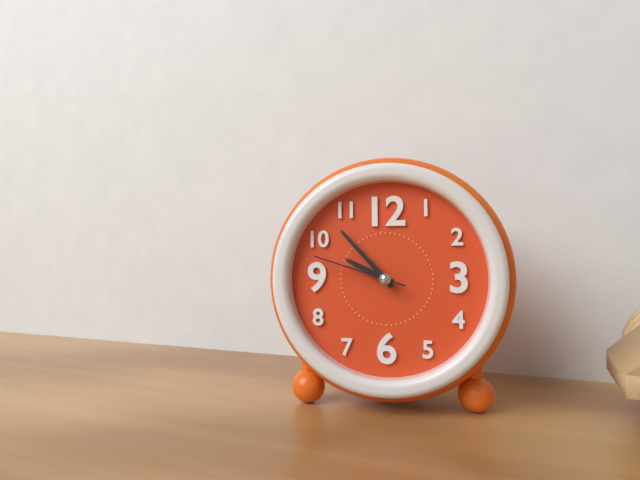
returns 9,53,48
